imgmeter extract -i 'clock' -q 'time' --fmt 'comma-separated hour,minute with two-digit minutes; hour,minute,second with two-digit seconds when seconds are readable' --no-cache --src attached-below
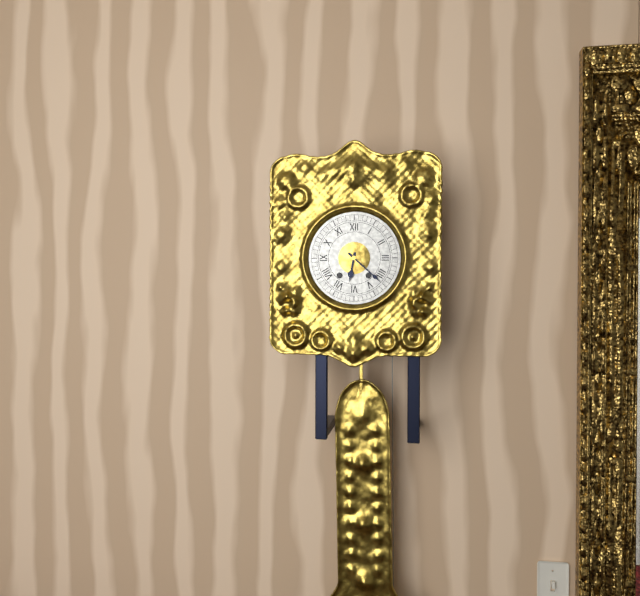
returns 6,22
